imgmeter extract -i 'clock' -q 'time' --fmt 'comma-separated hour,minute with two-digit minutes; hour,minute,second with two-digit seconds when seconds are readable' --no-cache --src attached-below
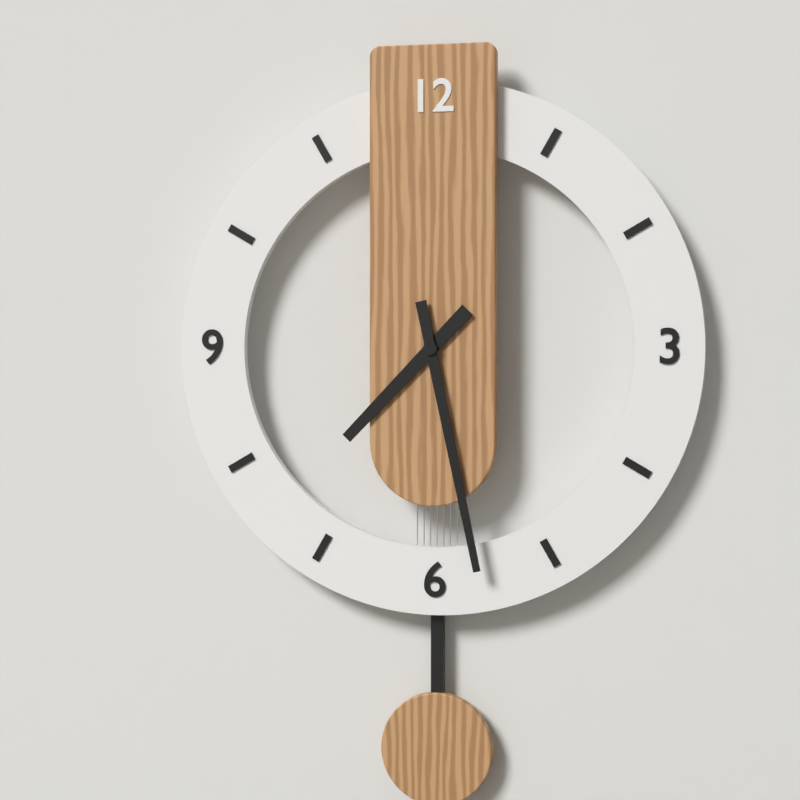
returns 7,28
